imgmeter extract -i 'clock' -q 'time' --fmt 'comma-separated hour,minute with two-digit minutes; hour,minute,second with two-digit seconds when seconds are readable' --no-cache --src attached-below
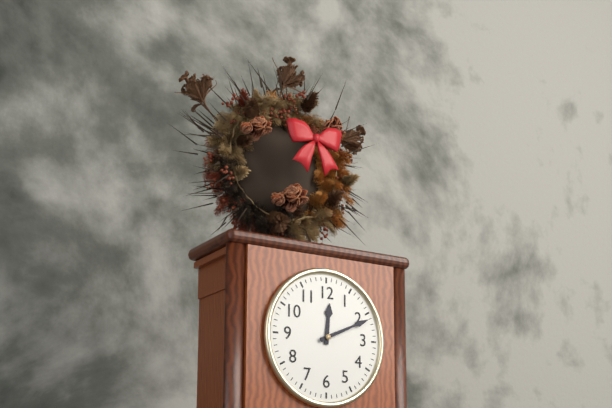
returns 12,11
